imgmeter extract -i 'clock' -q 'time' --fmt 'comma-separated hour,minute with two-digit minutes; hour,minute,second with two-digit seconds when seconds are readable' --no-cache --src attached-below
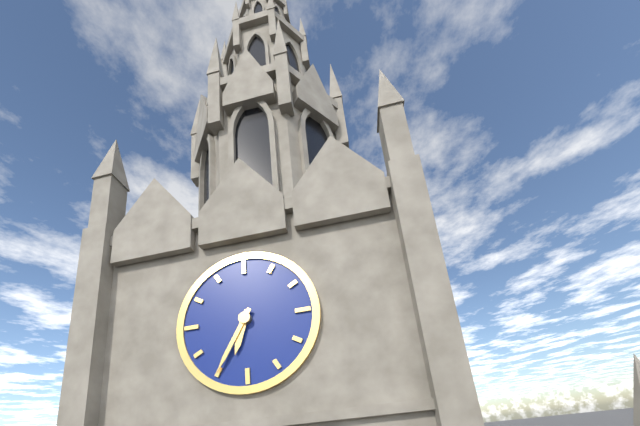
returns 6,35
